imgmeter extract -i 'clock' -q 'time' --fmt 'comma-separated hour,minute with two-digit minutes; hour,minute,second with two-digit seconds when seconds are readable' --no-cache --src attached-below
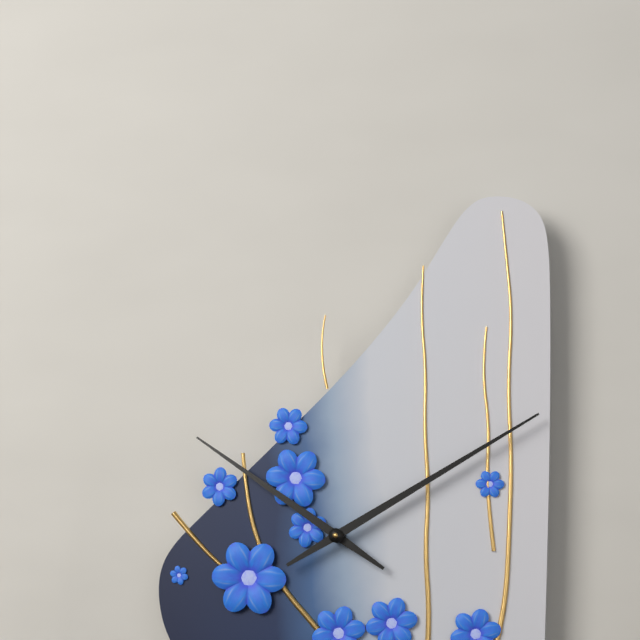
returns 10,10
